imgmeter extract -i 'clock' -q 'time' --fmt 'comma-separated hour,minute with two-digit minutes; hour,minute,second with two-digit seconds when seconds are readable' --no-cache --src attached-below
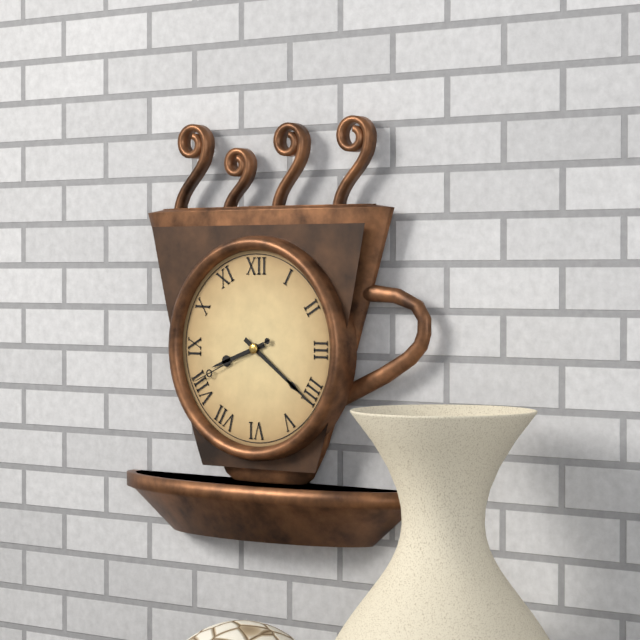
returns 8,21,41
